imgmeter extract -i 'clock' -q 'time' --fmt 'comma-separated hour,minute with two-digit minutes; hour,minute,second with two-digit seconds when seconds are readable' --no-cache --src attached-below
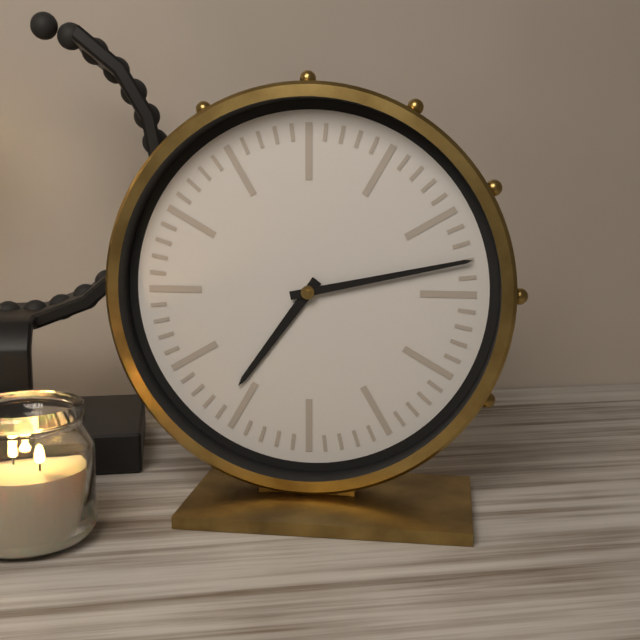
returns 7,13
